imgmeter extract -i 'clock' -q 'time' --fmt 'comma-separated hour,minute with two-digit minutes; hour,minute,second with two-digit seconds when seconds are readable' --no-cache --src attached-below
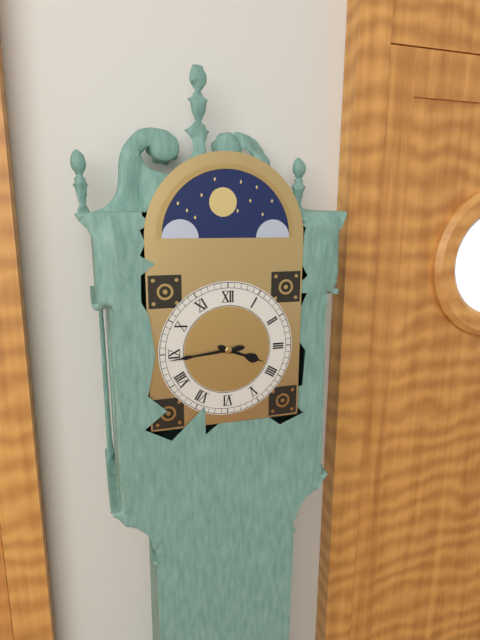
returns 3,44
